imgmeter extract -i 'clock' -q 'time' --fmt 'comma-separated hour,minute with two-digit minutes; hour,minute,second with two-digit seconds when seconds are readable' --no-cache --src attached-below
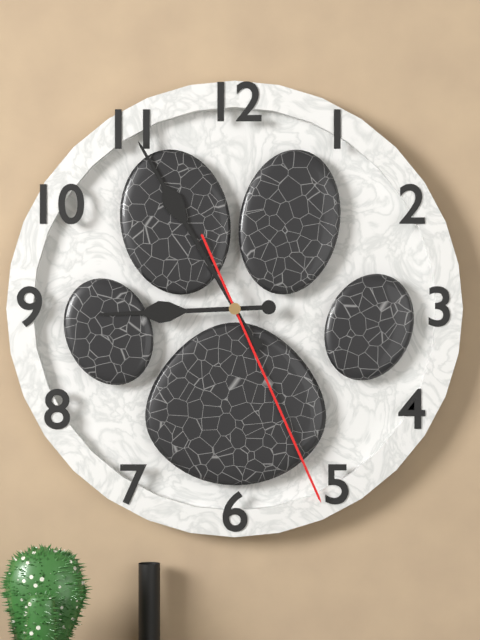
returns 8,55,26
